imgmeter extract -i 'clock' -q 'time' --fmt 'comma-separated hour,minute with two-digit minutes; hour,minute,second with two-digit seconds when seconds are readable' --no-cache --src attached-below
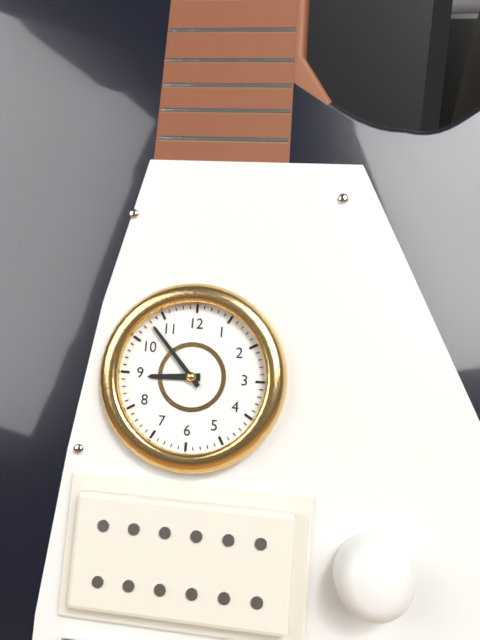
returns 8,53
